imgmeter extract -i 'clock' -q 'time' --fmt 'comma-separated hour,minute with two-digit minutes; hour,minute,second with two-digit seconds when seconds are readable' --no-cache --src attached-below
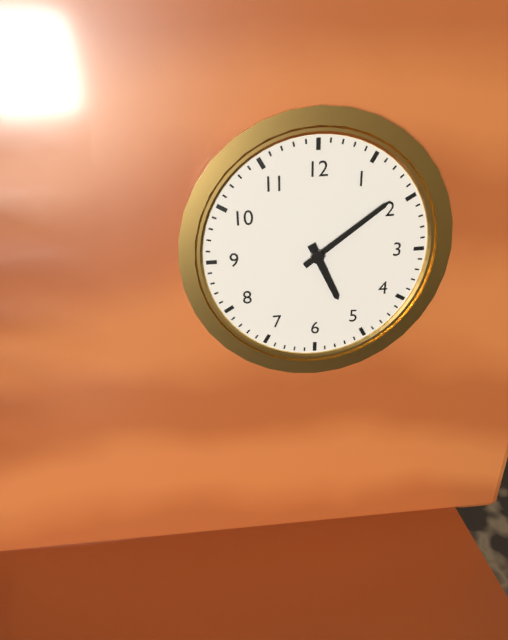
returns 5,09
